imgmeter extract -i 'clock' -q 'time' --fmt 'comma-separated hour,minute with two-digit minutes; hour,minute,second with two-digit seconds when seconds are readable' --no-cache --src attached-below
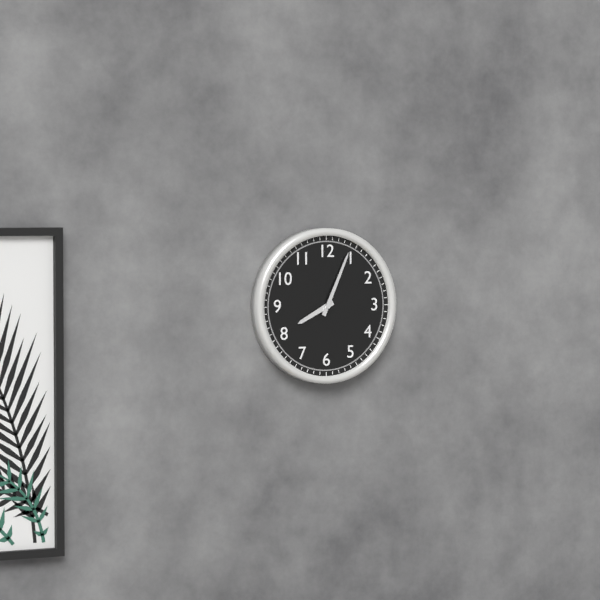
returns 8,04
